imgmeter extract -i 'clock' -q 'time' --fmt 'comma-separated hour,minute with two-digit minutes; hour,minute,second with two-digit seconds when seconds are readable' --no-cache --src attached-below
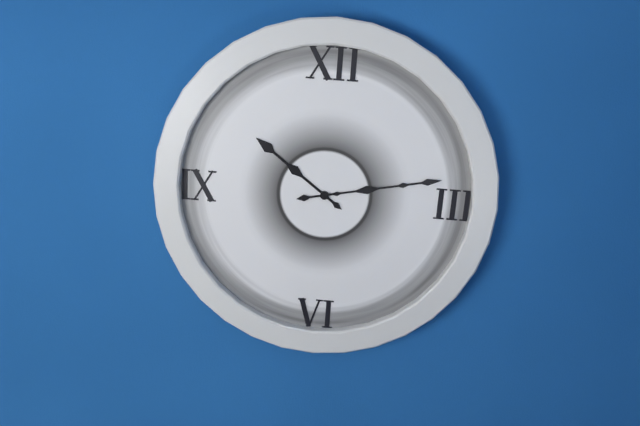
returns 10,13
